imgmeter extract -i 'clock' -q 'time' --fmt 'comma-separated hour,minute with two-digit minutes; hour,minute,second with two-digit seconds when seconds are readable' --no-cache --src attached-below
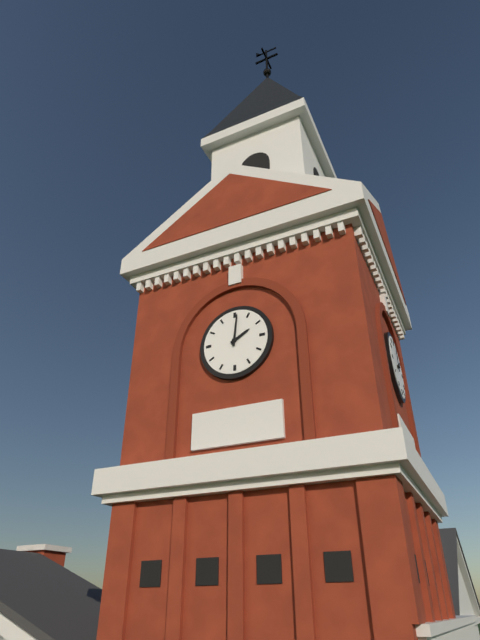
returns 2,01
